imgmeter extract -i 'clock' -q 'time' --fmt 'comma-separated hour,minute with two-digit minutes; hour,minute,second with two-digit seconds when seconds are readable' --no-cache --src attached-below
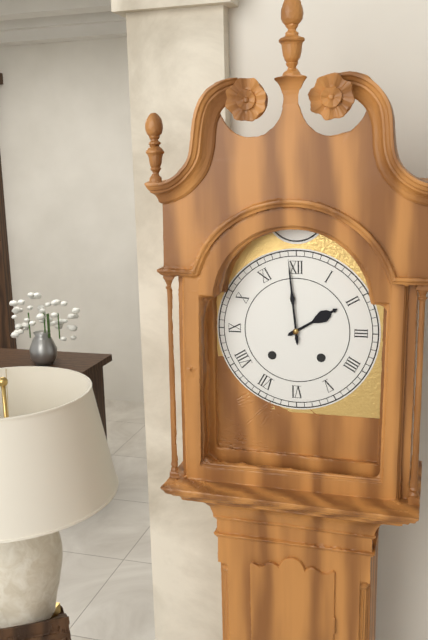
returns 1,59
